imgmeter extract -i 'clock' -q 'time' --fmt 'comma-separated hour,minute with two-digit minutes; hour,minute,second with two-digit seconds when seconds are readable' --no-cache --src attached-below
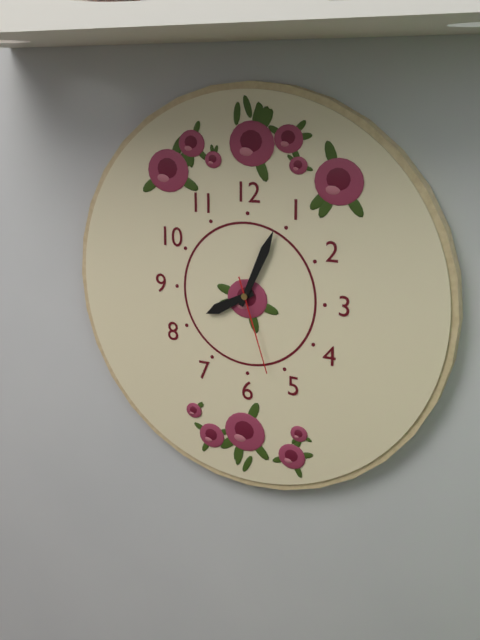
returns 8,04,27
